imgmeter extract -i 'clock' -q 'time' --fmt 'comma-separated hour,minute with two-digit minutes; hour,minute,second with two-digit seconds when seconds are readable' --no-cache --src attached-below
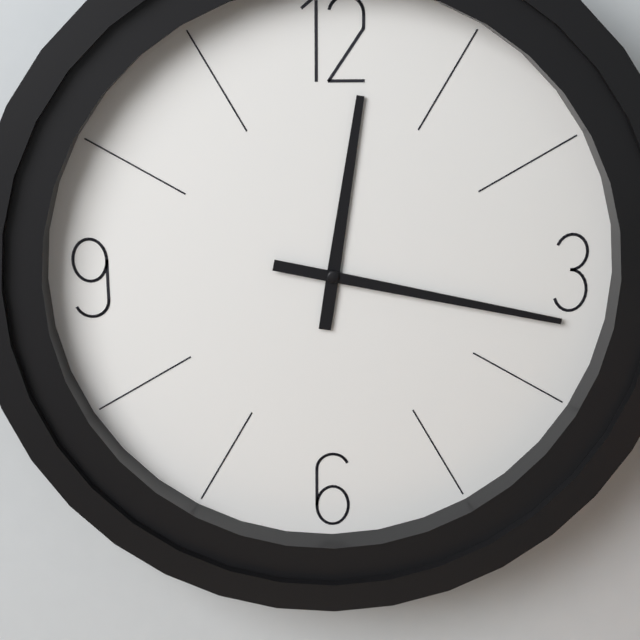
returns 12,17
